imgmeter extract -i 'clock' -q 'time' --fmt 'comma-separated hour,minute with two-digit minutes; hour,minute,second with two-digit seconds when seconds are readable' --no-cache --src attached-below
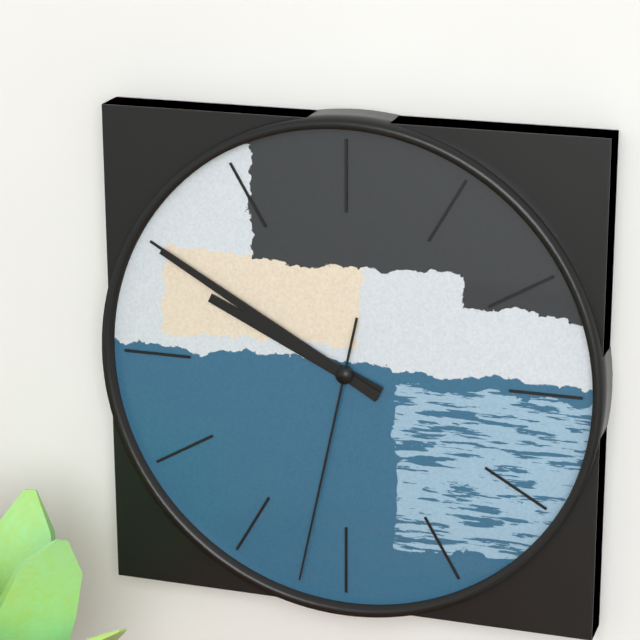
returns 9,50,32
